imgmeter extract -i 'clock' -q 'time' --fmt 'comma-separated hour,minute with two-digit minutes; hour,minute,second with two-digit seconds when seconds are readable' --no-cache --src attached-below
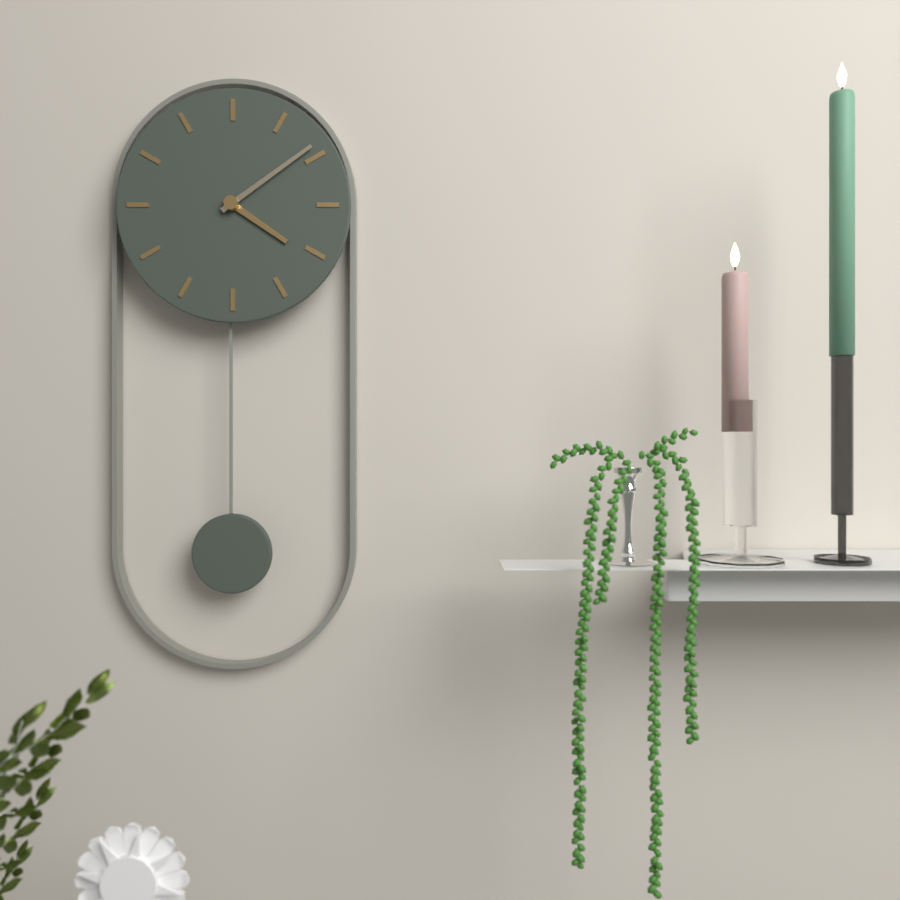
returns 4,09
